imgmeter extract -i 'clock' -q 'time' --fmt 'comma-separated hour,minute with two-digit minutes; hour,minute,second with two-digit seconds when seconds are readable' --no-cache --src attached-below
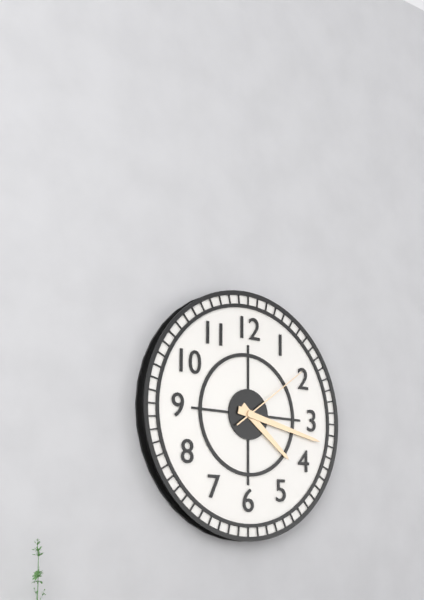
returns 4,17,09
